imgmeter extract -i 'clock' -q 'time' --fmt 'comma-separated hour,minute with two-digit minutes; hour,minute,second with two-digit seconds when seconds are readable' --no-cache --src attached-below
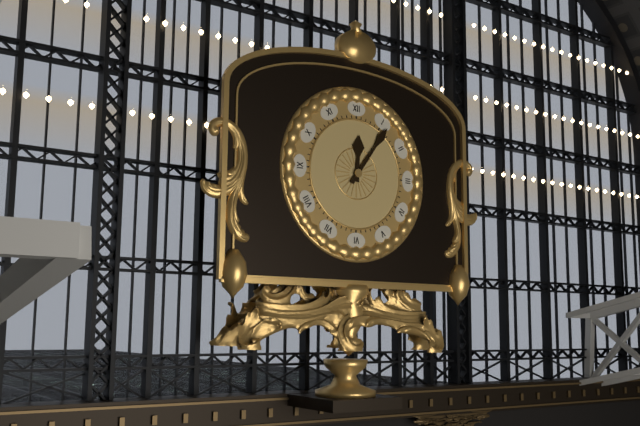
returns 12,06
